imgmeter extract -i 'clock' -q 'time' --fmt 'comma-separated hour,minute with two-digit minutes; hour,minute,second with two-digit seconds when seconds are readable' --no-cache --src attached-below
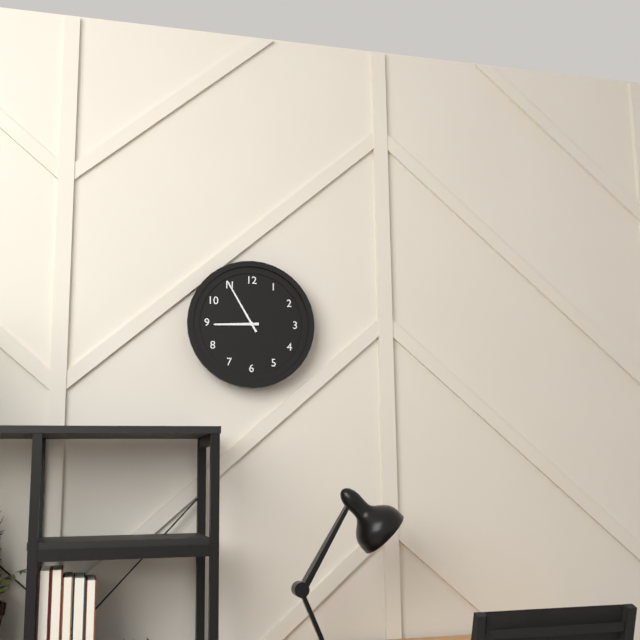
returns 8,55
